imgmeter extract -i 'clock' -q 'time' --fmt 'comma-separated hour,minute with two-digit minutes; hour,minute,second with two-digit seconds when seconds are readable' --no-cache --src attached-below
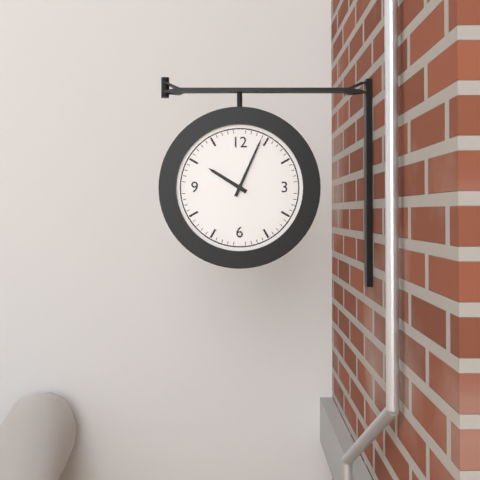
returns 10,04
